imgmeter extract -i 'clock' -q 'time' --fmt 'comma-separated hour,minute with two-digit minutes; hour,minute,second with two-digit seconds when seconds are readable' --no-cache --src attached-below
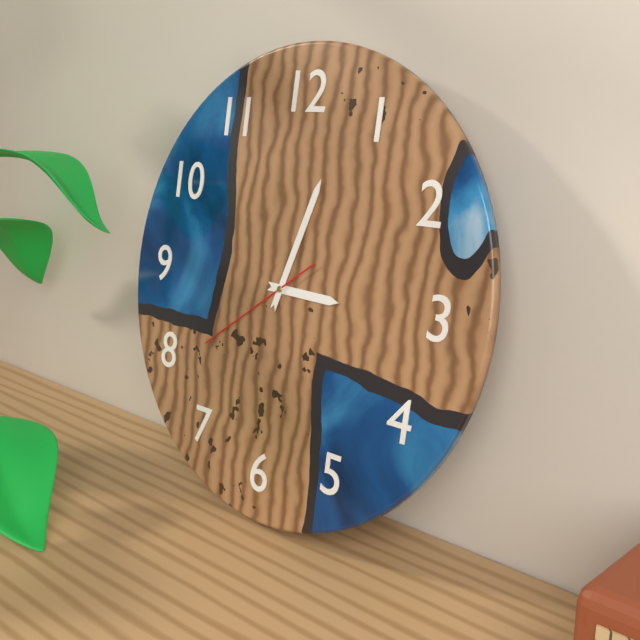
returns 3,03,39
